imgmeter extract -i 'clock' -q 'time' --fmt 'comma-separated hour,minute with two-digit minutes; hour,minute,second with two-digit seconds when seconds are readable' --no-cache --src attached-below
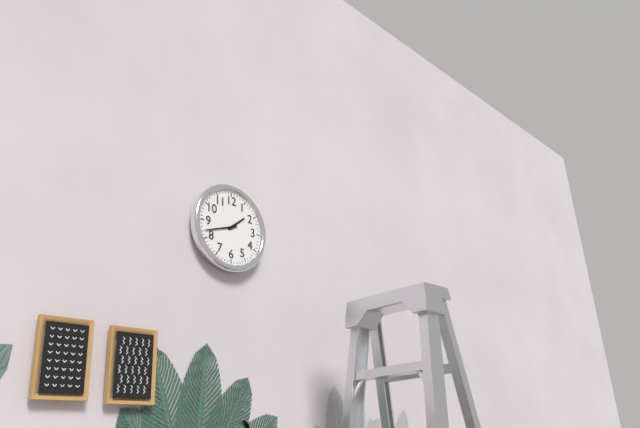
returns 1,42
